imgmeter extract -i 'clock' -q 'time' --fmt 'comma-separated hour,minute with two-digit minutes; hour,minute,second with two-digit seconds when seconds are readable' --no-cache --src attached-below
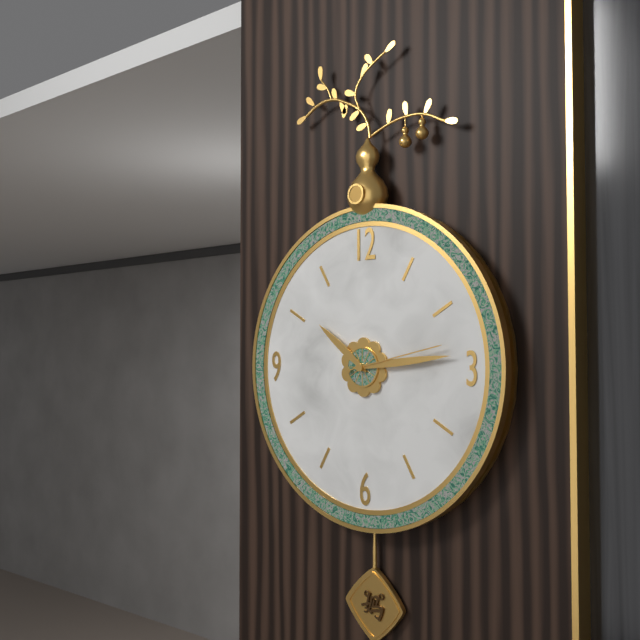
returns 10,14,13
